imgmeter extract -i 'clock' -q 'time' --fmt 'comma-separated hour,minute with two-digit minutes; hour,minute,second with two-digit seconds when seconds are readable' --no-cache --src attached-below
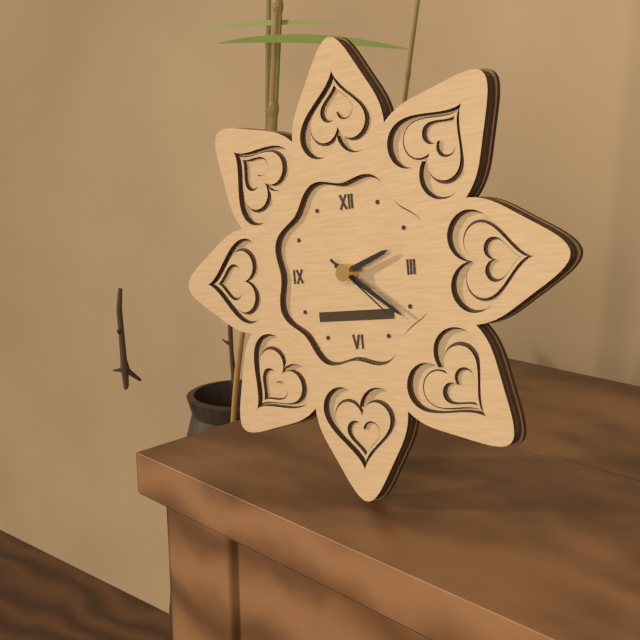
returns 2,21,22
